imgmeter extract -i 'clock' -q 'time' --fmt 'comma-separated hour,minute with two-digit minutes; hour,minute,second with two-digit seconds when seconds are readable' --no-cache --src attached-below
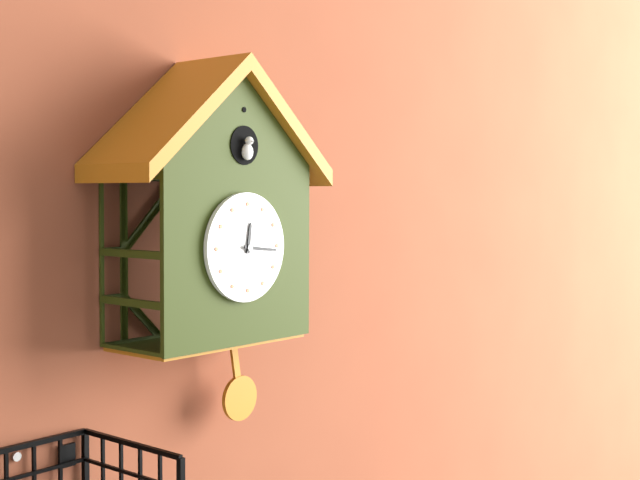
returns 12,16
